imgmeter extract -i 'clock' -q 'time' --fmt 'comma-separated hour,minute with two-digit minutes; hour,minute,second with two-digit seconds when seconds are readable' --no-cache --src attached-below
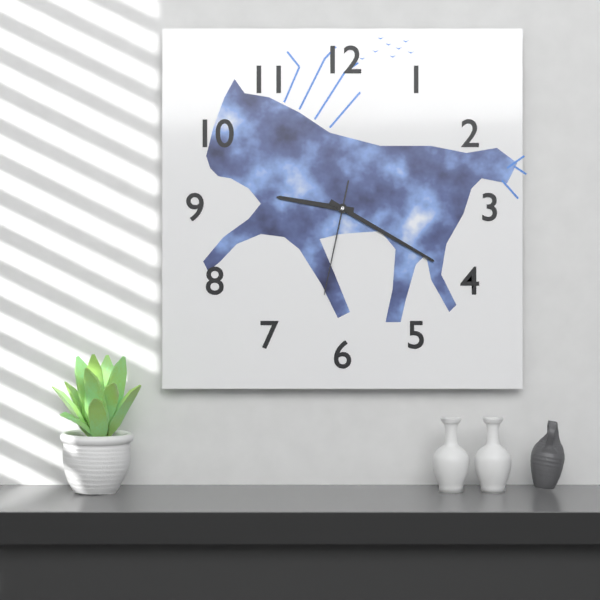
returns 9,20,32
